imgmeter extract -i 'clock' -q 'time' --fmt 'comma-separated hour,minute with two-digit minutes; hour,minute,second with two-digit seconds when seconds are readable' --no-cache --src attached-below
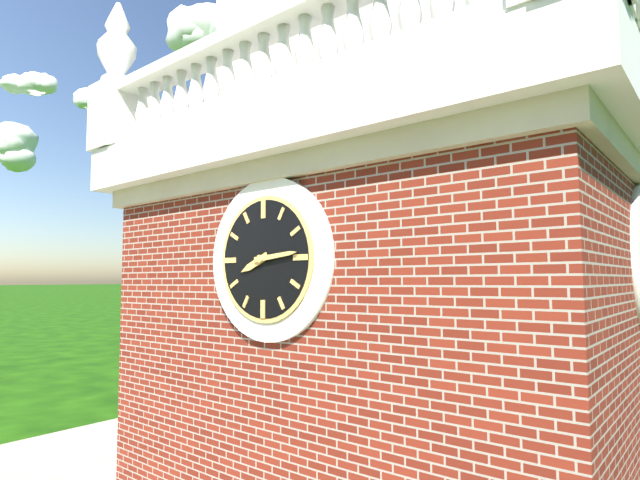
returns 8,14
